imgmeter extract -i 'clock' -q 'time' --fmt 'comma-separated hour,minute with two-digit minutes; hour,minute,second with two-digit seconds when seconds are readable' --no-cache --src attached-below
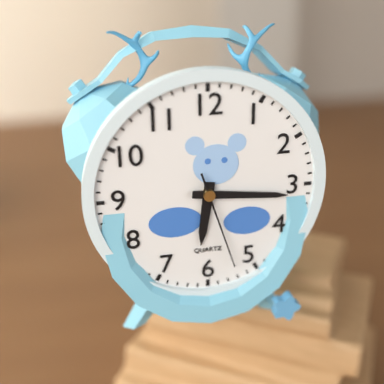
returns 6,16,27
